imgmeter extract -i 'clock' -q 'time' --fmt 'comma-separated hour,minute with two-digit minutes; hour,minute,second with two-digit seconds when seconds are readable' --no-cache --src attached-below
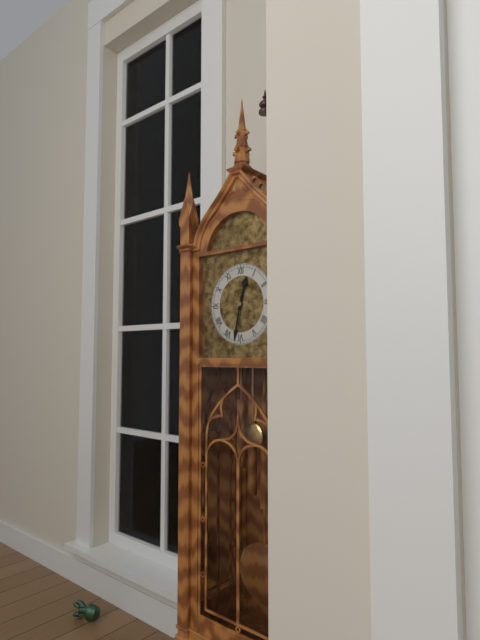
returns 12,32
